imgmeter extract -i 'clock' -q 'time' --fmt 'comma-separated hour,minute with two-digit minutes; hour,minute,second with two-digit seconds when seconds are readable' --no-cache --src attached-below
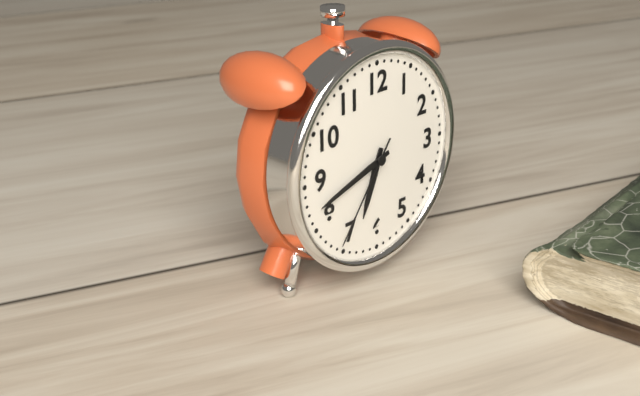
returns 6,42,36
